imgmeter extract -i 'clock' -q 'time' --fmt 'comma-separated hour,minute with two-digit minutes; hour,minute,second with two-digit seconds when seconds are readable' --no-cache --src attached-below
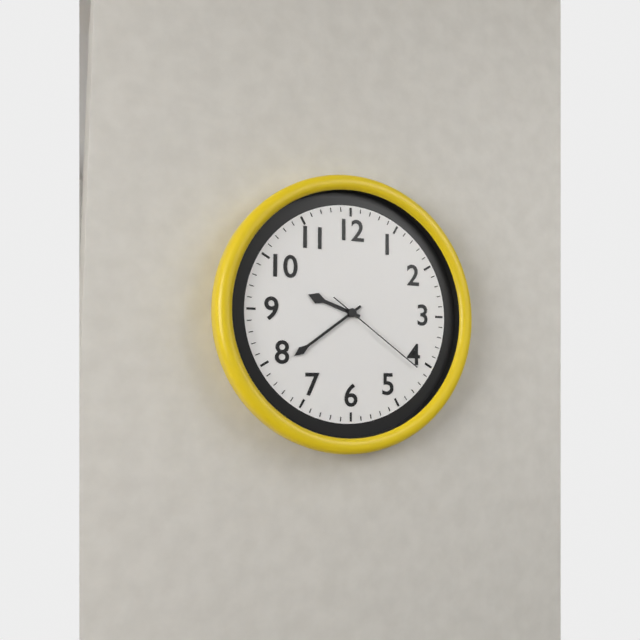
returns 9,39,21
